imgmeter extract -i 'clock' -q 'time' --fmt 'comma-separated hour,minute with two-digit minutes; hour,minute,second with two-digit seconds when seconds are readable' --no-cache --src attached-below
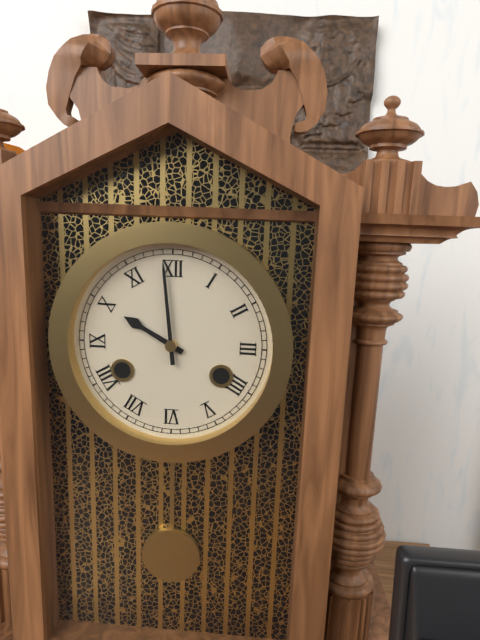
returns 9,59
